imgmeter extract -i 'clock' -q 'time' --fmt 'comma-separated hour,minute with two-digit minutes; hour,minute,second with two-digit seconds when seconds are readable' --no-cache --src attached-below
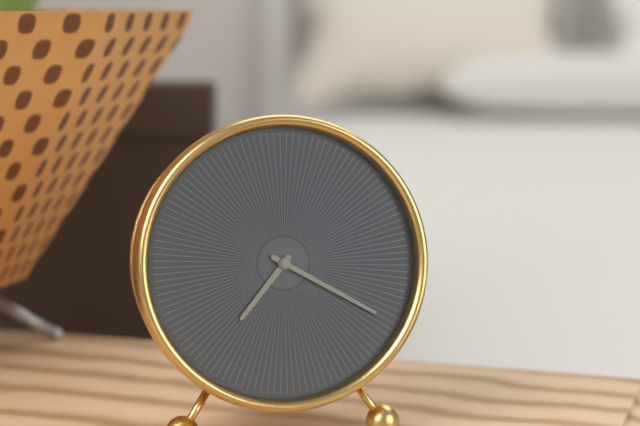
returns 7,20
